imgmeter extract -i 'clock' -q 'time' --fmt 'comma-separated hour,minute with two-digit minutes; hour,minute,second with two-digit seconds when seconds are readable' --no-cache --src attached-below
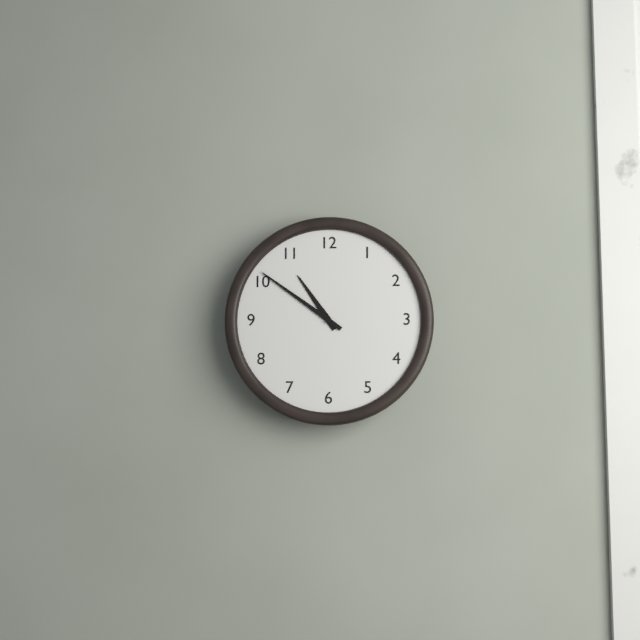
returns 10,51
